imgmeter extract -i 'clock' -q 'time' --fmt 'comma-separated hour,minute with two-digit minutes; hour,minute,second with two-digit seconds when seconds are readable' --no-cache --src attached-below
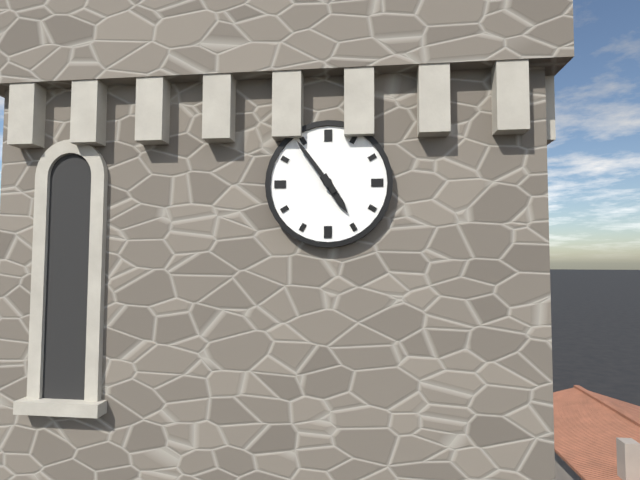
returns 4,54
